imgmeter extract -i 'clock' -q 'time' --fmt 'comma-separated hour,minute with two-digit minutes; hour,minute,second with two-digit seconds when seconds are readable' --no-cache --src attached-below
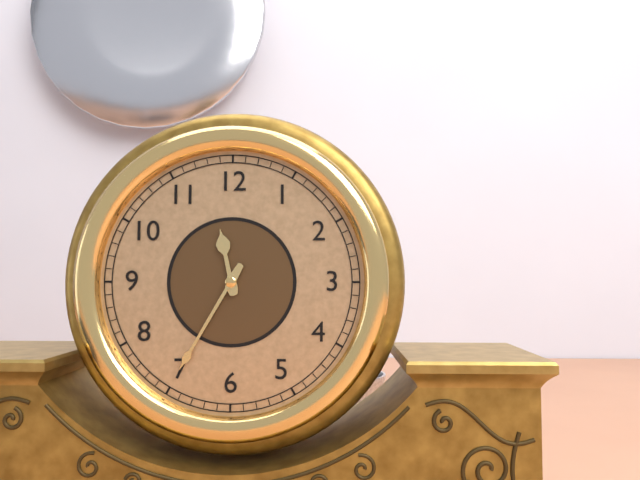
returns 11,35
